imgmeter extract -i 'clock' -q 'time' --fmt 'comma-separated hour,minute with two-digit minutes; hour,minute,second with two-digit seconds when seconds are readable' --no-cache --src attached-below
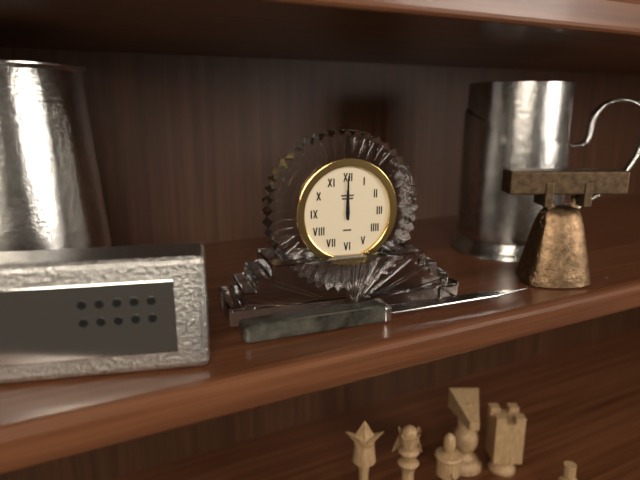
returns 12,00
